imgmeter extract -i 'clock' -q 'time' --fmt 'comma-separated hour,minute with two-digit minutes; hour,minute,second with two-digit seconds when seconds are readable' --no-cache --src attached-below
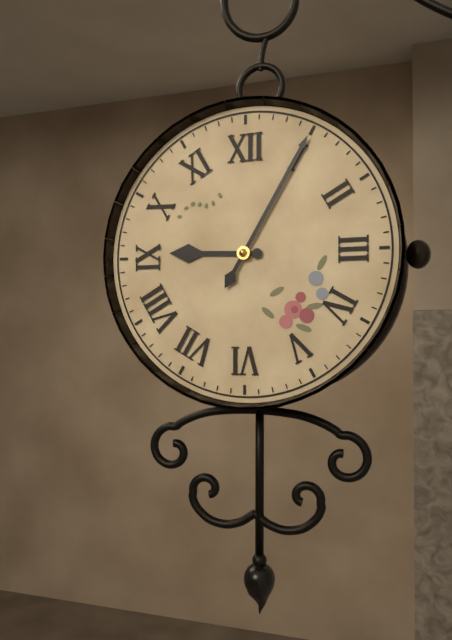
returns 9,05
